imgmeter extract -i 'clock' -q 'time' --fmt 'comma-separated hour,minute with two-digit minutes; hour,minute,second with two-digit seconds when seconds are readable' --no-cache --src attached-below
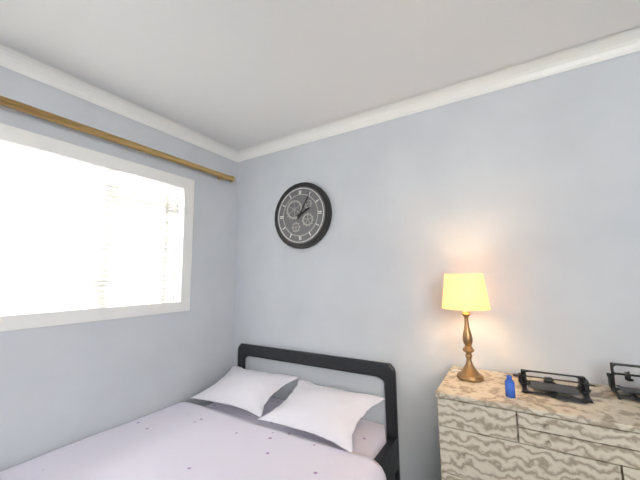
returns 2,05
